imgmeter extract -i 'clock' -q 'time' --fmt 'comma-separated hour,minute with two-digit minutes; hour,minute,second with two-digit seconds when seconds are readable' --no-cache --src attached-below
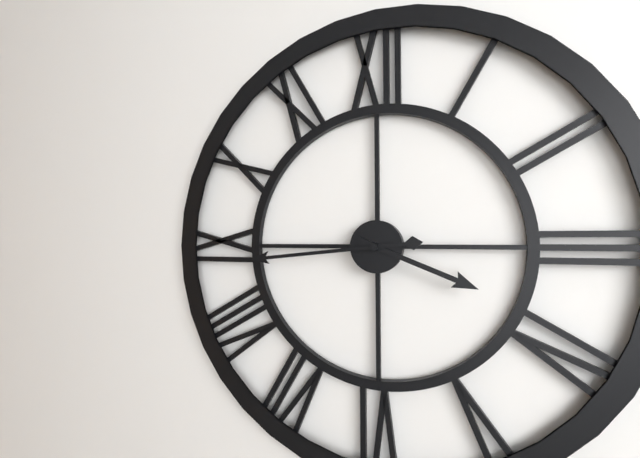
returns 3,44
